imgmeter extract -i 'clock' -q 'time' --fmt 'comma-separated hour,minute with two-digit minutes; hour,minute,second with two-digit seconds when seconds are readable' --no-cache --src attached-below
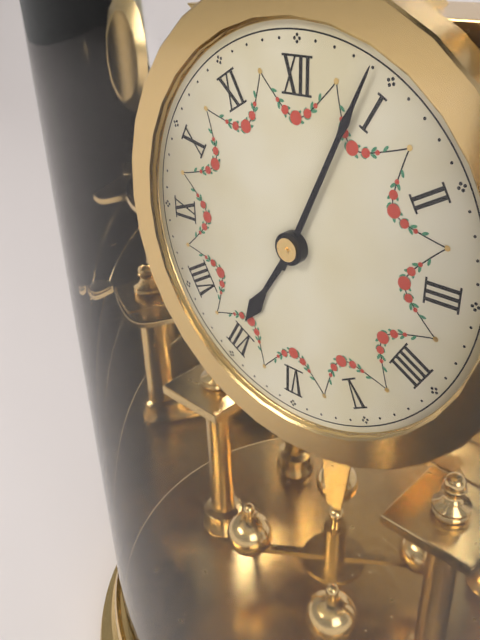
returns 7,04
